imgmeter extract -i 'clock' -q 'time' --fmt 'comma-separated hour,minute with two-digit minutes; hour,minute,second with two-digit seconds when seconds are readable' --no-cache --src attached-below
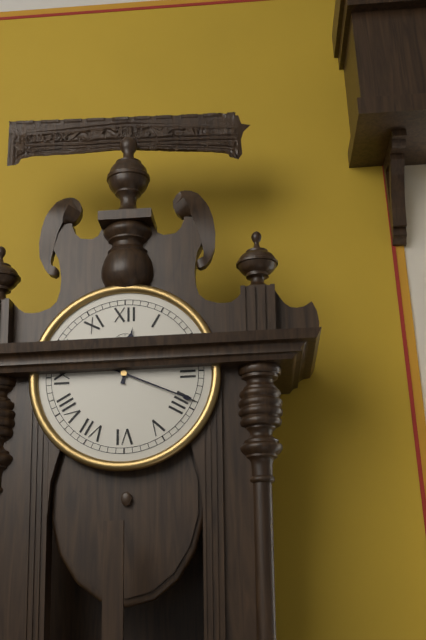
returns 12,19
